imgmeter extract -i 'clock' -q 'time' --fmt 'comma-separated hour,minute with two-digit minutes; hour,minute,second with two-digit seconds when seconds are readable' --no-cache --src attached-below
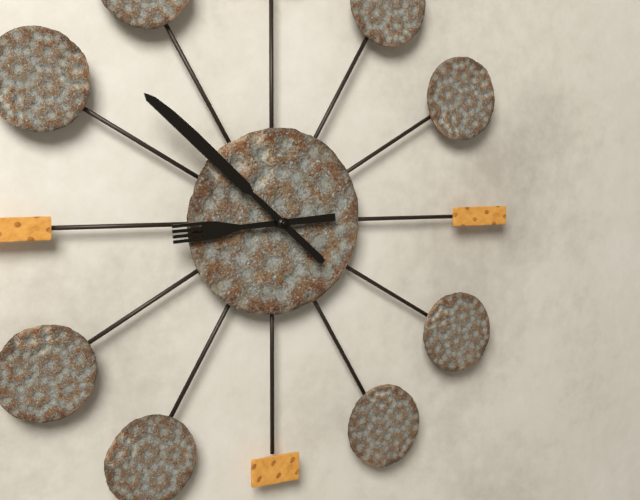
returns 8,52
